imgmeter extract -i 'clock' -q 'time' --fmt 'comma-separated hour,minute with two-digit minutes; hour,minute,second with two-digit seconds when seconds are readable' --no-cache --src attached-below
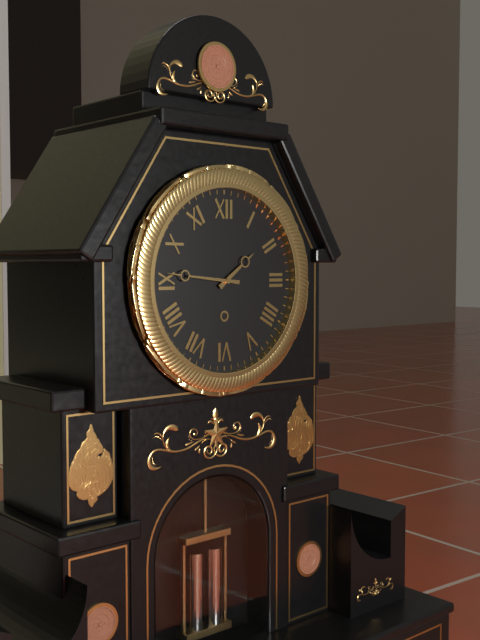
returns 1,46
